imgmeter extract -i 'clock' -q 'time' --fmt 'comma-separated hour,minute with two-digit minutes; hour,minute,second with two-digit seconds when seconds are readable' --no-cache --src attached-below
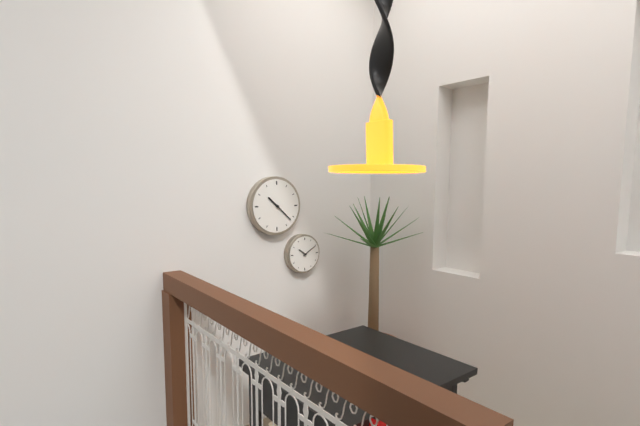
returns 10,22
